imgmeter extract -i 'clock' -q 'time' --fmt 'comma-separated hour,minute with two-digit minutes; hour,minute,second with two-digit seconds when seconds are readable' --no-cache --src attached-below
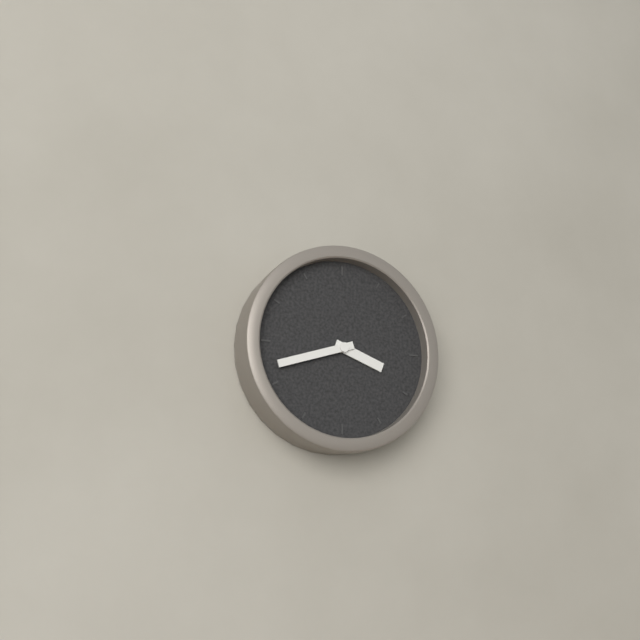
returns 3,42
